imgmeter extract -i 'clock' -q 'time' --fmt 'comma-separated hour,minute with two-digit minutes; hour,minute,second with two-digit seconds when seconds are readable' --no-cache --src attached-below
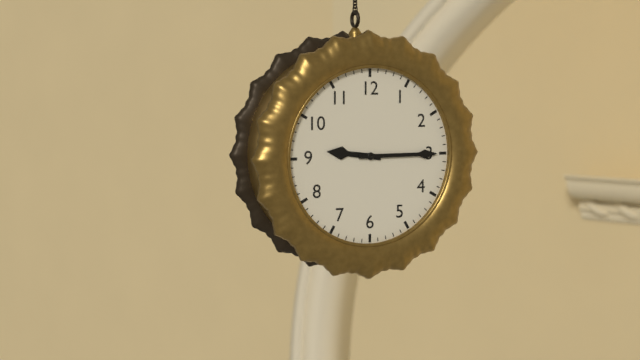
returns 9,15
